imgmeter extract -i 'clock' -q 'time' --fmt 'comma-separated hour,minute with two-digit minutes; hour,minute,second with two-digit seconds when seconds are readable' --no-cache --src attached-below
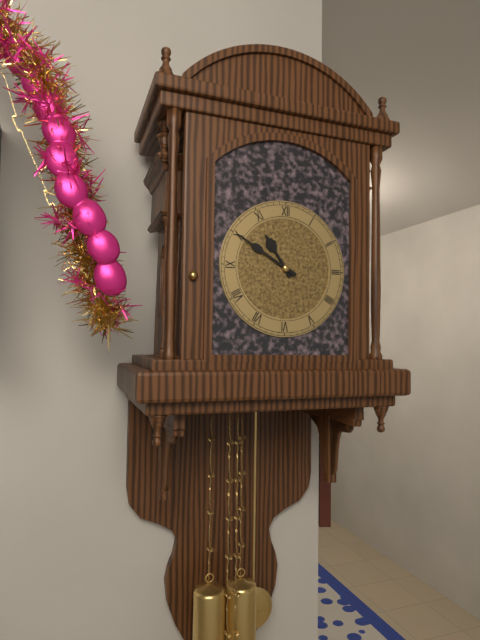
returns 10,50
